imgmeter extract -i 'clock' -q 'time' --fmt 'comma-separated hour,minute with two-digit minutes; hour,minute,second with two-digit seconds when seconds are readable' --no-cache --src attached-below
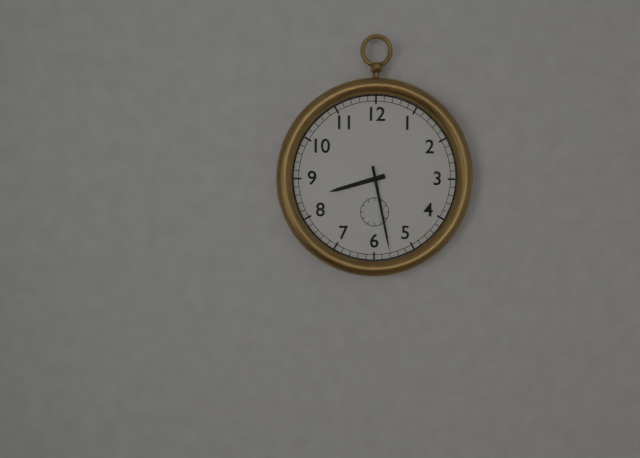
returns 8,28
